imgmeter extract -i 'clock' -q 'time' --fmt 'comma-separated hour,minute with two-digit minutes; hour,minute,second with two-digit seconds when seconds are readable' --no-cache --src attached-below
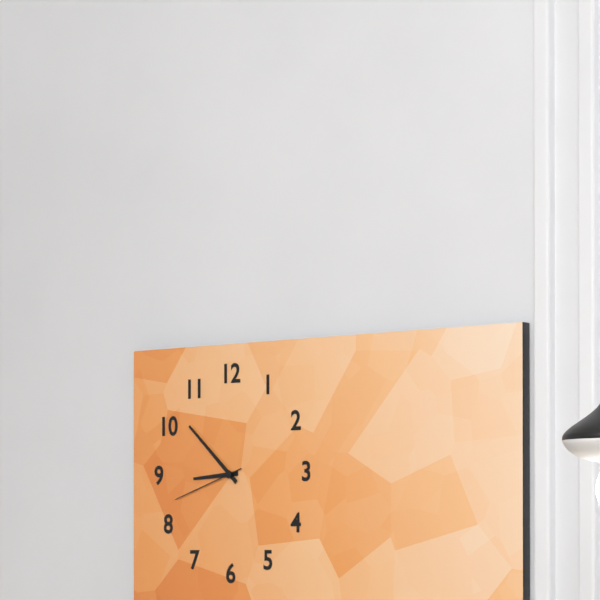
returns 8,52,42
